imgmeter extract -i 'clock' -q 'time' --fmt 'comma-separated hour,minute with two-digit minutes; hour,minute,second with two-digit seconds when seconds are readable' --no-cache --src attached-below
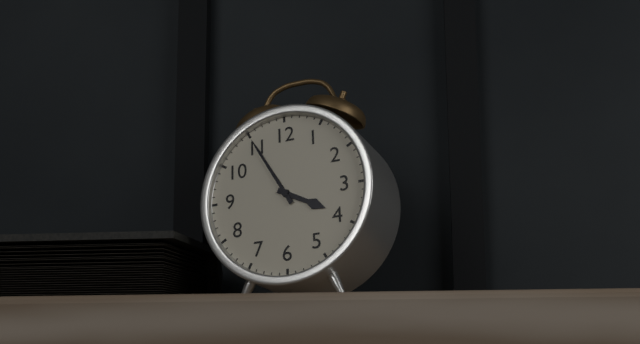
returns 3,55
